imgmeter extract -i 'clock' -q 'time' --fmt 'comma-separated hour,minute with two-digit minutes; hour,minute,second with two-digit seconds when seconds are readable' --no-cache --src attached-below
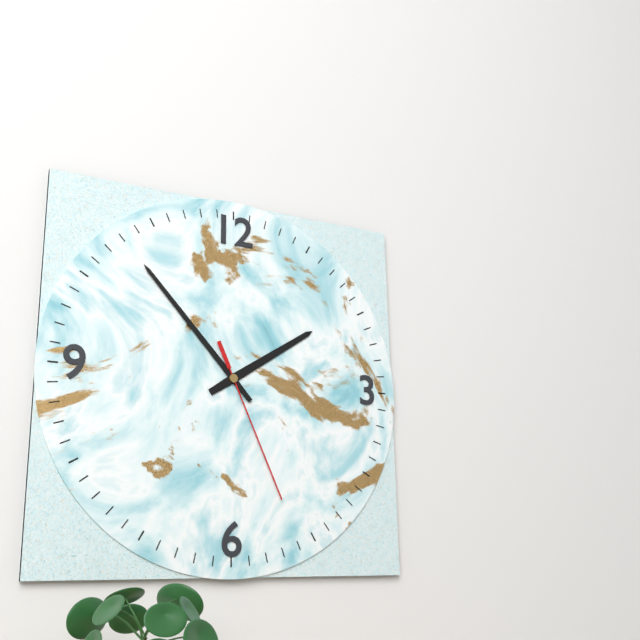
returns 1,53,26
